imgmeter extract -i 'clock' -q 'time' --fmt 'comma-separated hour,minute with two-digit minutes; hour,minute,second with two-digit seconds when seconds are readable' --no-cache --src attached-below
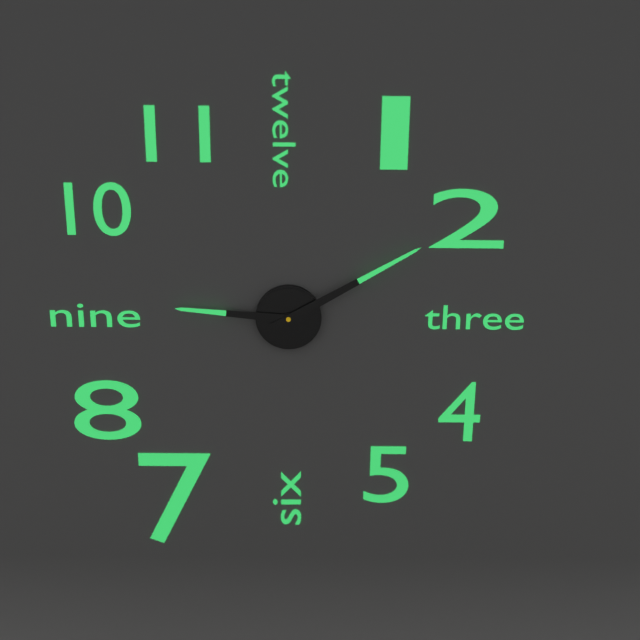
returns 9,10
